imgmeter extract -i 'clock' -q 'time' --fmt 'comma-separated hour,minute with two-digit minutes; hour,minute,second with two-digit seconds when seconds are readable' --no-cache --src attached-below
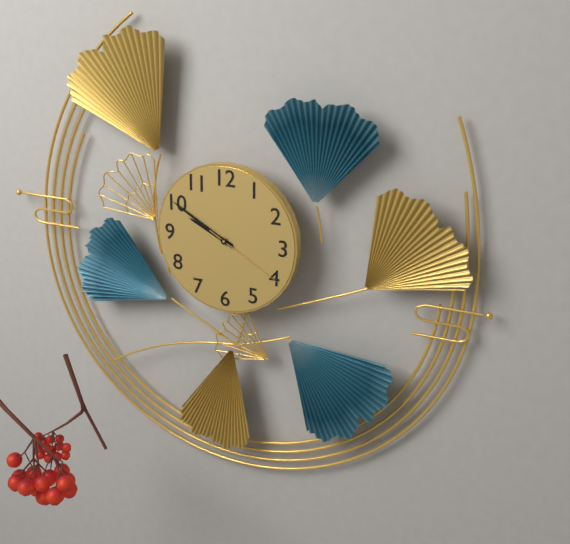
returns 9,50,20
